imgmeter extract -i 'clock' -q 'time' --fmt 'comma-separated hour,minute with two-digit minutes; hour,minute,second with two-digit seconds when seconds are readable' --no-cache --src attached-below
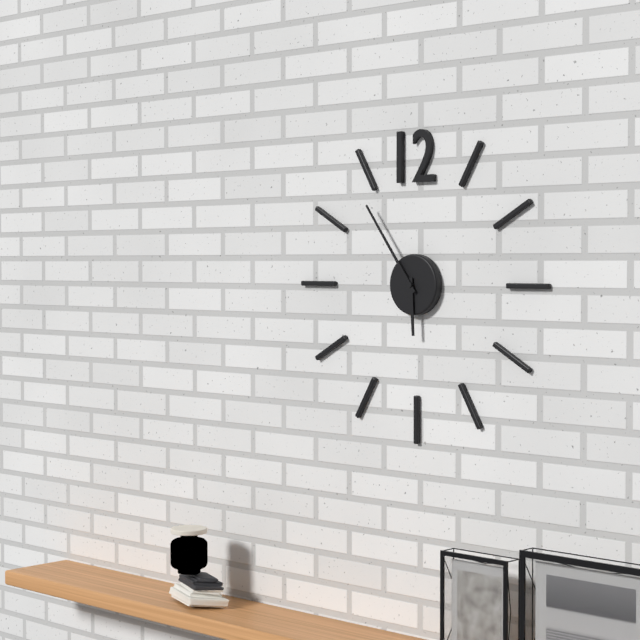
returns 5,54
